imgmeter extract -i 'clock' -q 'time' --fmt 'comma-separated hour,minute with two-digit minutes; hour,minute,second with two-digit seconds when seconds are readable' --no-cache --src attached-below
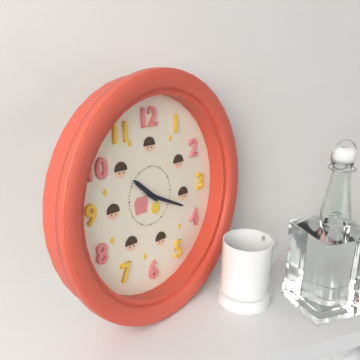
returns 10,19
